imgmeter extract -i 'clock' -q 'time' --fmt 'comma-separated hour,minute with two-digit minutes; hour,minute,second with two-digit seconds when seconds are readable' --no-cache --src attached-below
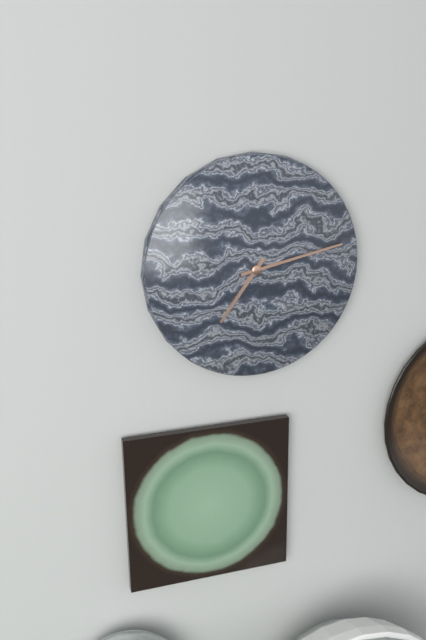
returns 7,13
